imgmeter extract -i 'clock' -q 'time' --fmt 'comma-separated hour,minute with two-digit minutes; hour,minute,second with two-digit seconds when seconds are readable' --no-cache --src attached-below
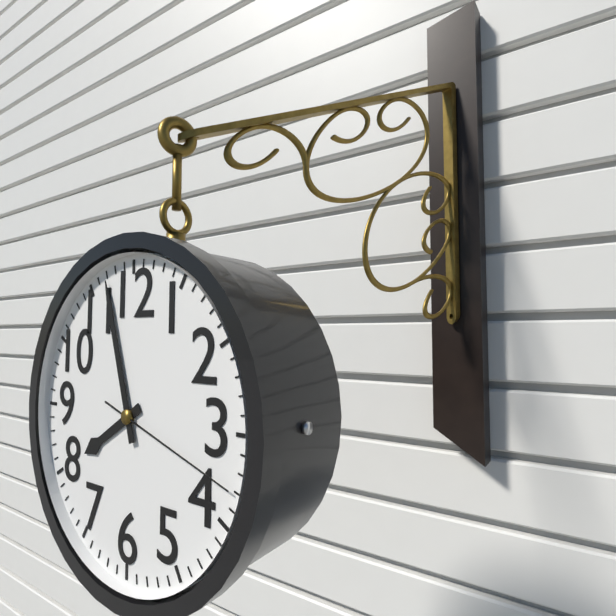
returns 7,57,18
